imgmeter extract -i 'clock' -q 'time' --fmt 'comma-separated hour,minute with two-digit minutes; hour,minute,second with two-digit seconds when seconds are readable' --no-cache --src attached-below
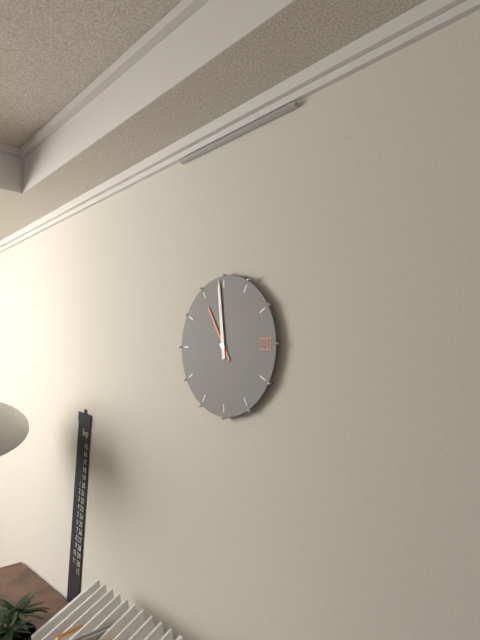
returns 10,59
